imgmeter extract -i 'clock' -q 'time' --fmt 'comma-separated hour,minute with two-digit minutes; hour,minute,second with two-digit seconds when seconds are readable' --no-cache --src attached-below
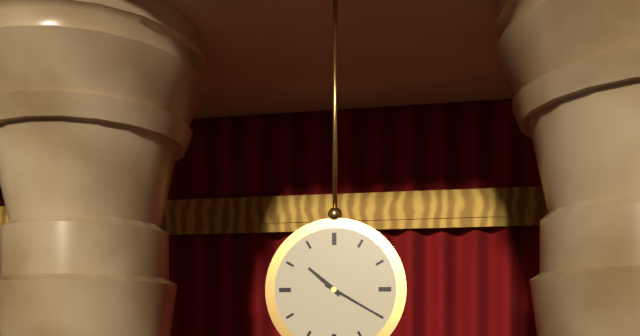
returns 10,20
